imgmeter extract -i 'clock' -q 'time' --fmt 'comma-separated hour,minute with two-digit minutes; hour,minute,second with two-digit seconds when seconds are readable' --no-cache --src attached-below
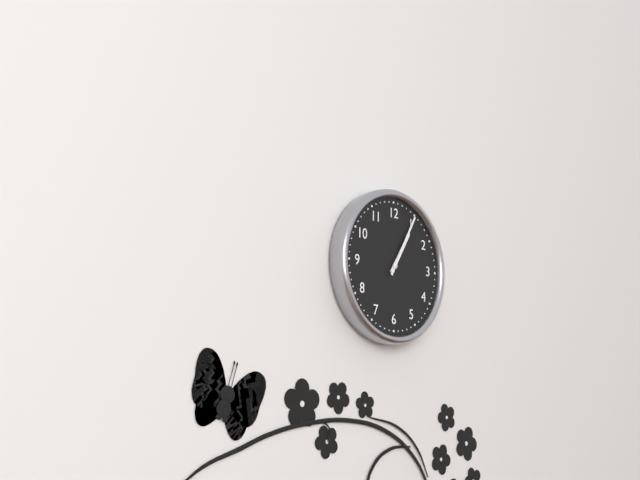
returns 1,05
